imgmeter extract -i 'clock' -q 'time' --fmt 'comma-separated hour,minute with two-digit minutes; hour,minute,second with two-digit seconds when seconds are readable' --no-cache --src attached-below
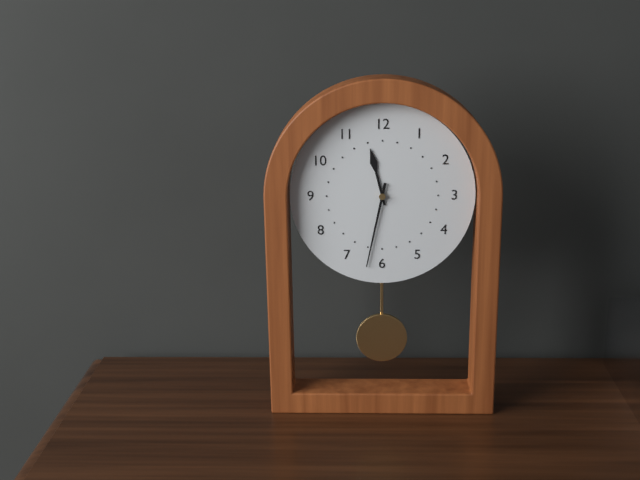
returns 11,32
